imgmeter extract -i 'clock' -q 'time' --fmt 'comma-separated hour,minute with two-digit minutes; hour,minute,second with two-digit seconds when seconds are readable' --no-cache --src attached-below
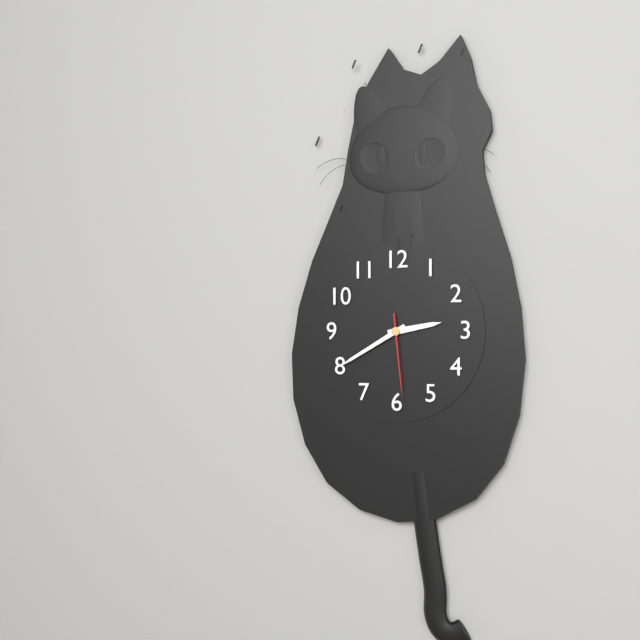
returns 2,40,29
